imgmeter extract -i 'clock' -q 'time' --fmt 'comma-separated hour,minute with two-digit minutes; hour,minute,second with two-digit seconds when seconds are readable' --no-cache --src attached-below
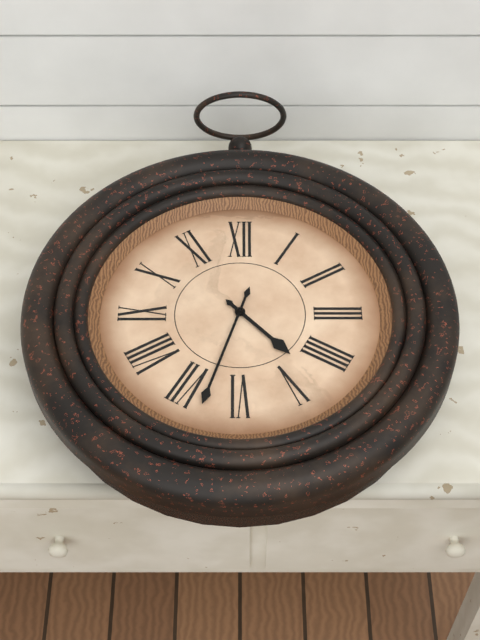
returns 4,33
